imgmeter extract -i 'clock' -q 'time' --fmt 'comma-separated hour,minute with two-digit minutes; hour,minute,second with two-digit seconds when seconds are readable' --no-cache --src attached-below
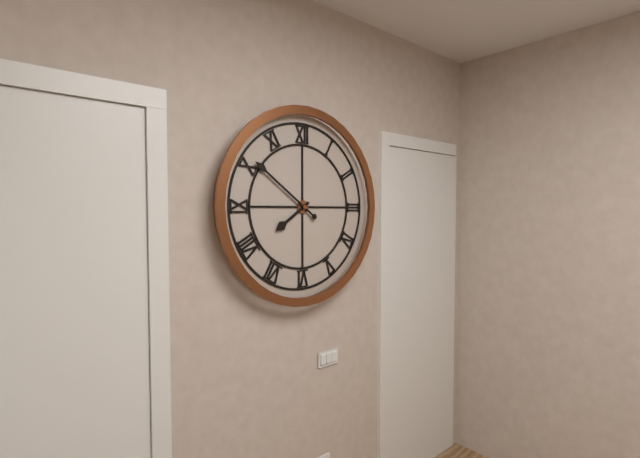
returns 7,51
